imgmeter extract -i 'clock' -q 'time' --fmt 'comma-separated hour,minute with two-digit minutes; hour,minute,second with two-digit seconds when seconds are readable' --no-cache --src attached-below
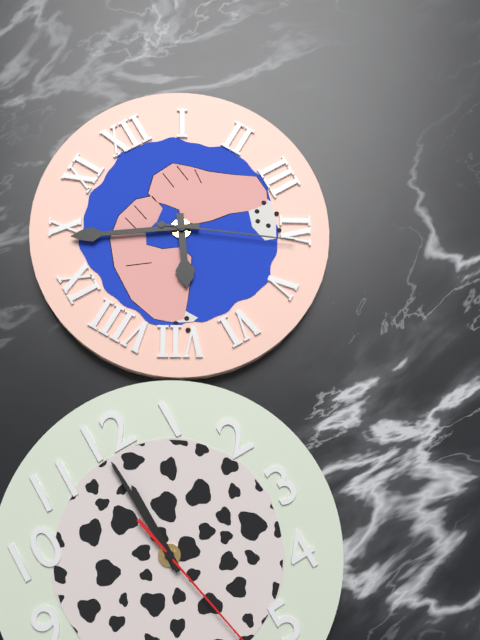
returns 6,49,21
